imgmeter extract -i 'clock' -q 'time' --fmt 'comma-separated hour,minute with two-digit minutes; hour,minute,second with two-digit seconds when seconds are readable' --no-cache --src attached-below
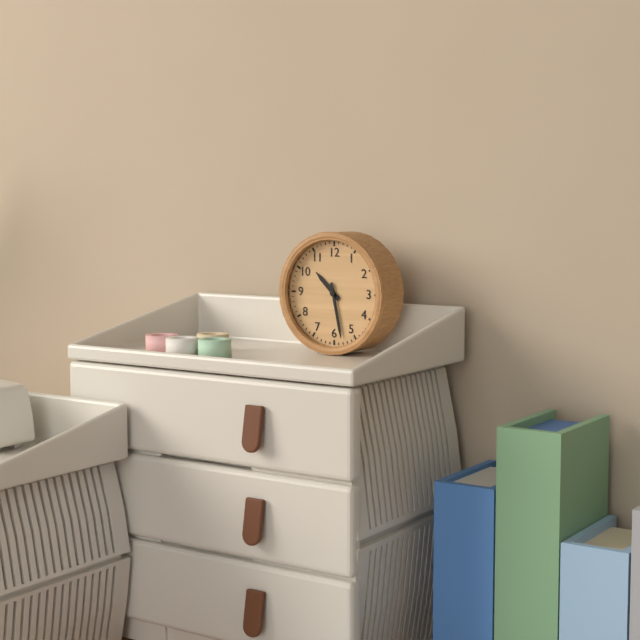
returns 10,28
